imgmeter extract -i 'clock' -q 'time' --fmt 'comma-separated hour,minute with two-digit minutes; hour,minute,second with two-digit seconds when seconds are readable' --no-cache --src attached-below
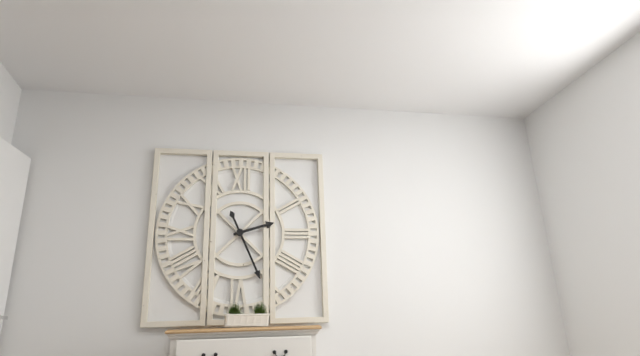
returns 2,26
